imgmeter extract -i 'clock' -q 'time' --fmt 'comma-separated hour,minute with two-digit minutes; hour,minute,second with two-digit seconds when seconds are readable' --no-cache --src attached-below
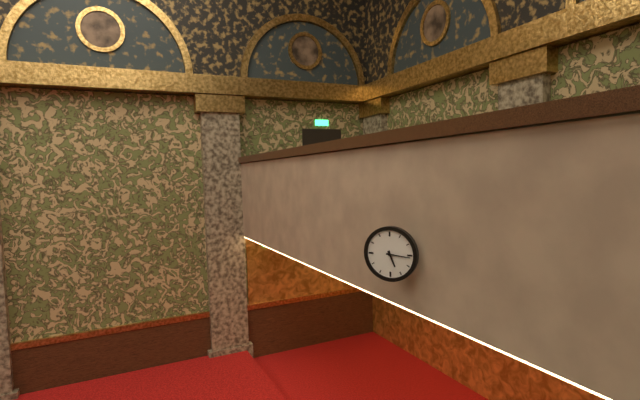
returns 5,16
